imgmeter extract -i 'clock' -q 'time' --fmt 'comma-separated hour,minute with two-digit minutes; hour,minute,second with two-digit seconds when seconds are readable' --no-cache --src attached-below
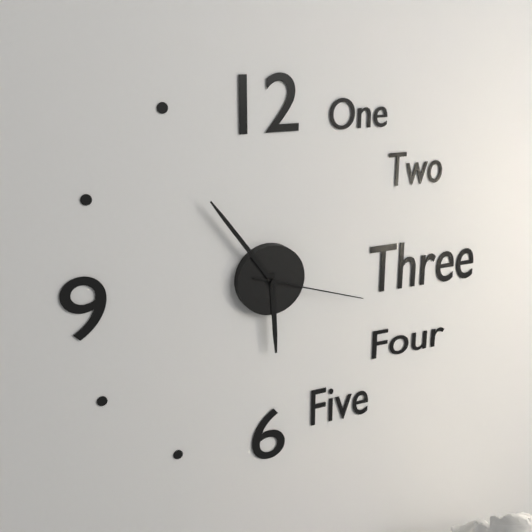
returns 5,54,18
